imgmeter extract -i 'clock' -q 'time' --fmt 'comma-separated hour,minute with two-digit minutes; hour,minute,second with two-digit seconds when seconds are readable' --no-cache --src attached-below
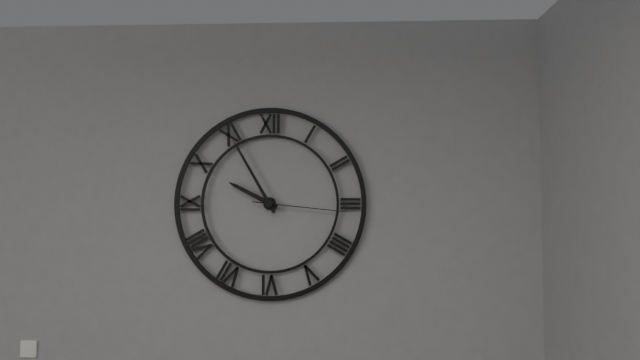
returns 9,55,16
